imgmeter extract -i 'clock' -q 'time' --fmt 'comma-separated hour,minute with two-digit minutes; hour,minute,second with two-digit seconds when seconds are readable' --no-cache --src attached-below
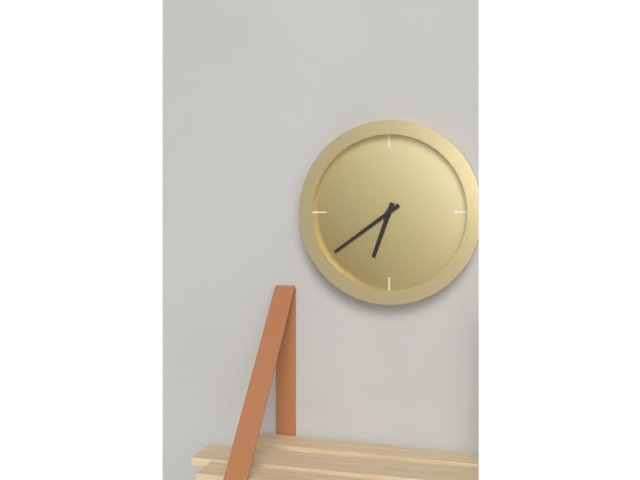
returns 6,39
